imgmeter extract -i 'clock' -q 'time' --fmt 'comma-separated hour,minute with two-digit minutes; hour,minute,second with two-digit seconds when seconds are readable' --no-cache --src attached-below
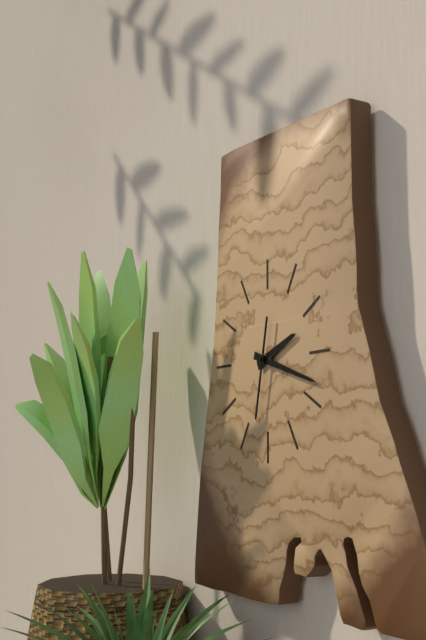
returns 2,18,32
